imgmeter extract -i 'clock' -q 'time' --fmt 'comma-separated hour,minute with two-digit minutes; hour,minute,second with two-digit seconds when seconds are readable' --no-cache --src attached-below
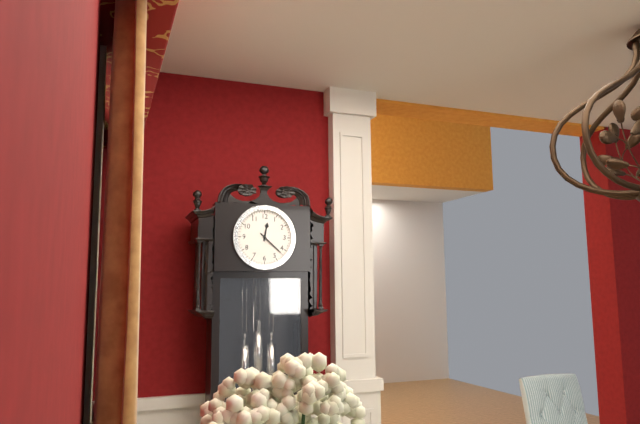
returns 12,22
